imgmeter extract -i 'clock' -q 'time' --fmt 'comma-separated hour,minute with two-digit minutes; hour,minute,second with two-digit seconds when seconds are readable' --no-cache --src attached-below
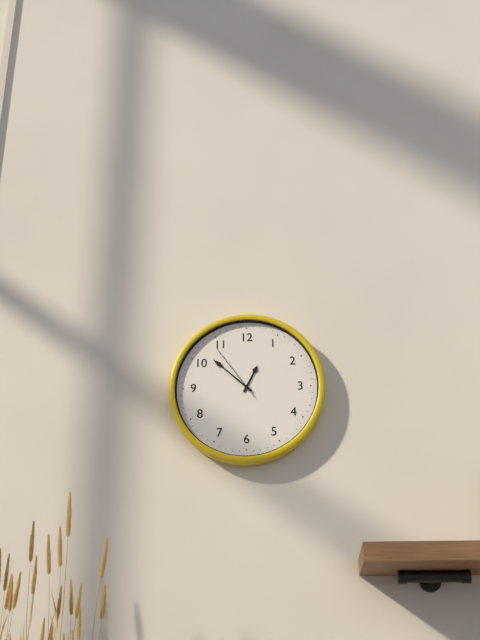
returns 12,52,54
